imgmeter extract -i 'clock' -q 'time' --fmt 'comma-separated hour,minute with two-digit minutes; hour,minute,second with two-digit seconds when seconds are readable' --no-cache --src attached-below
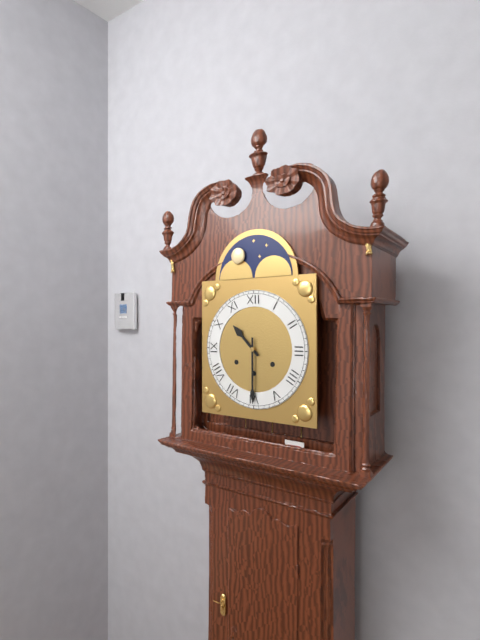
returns 10,30
